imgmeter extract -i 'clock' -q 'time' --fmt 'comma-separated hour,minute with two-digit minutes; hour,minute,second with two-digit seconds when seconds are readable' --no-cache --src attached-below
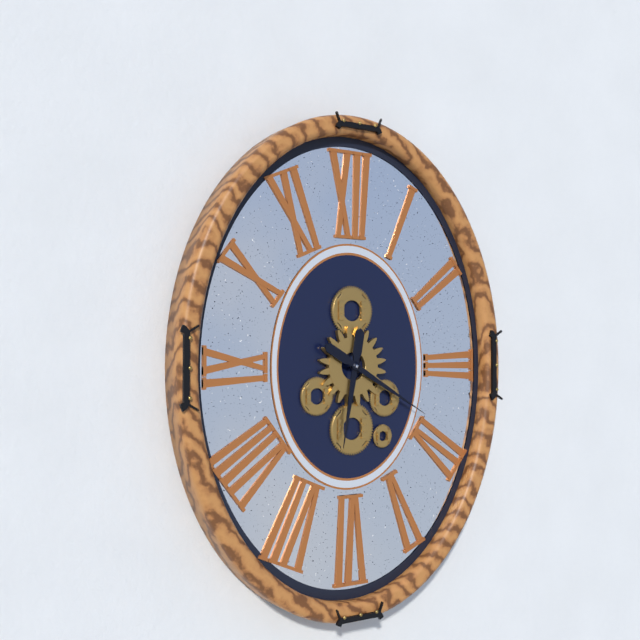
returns 6,20
